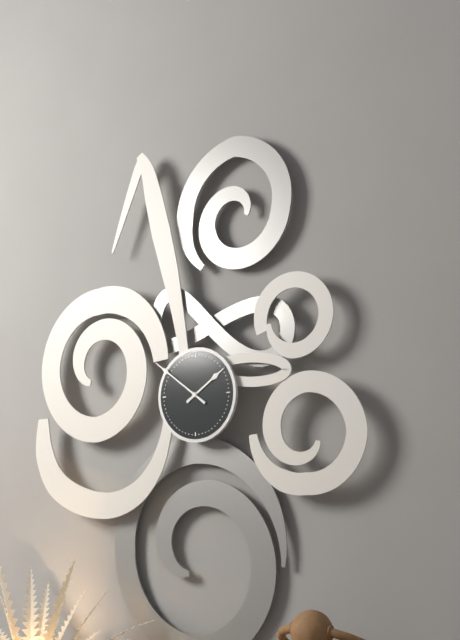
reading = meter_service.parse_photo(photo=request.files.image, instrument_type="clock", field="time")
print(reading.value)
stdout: 1:51
